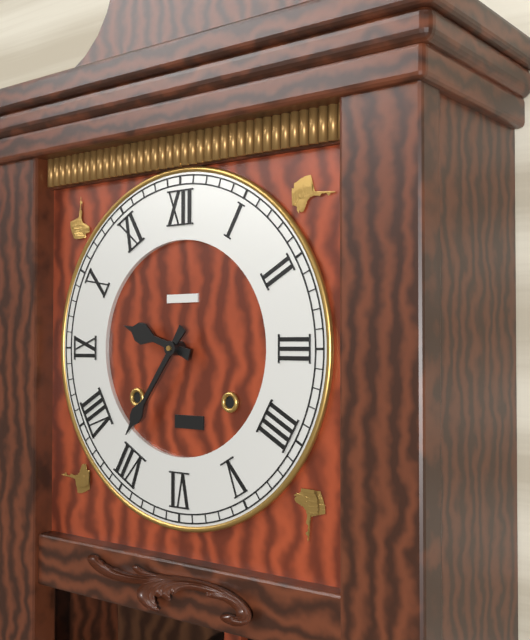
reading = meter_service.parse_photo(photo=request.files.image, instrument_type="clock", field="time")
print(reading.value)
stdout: 9:36
